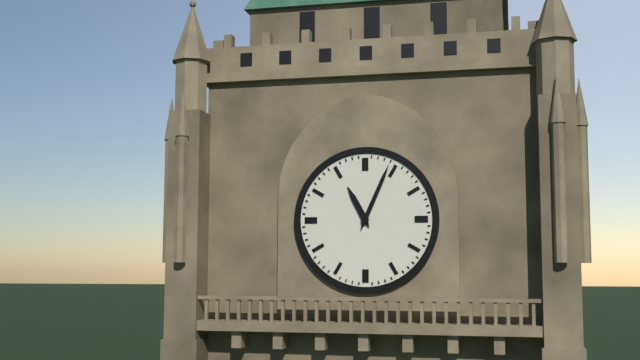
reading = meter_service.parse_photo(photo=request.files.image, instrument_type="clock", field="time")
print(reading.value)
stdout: 11:04
